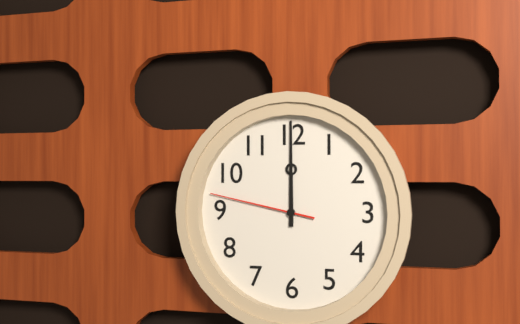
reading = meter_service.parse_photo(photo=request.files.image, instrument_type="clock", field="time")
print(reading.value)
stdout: 12:00:47
